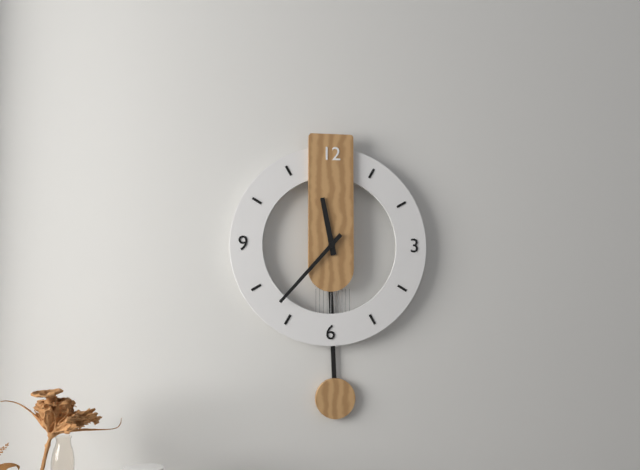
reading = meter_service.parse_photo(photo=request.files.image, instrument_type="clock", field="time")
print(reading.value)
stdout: 11:37
